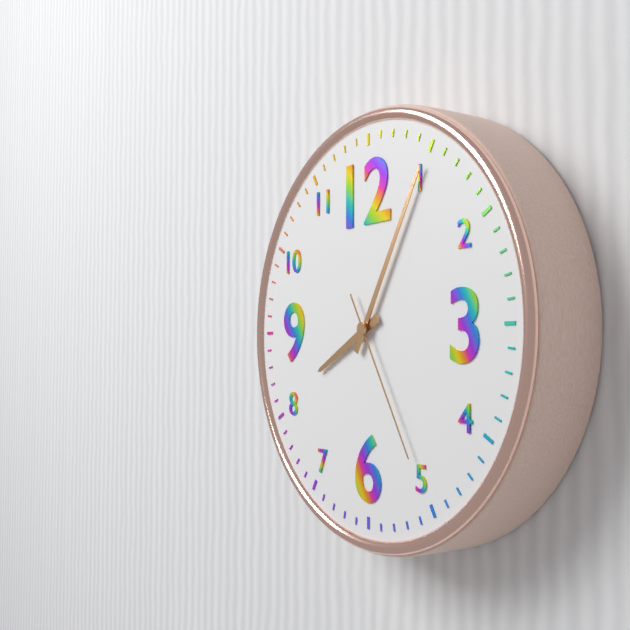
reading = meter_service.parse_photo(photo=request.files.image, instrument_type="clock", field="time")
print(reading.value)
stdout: 8:05:25
